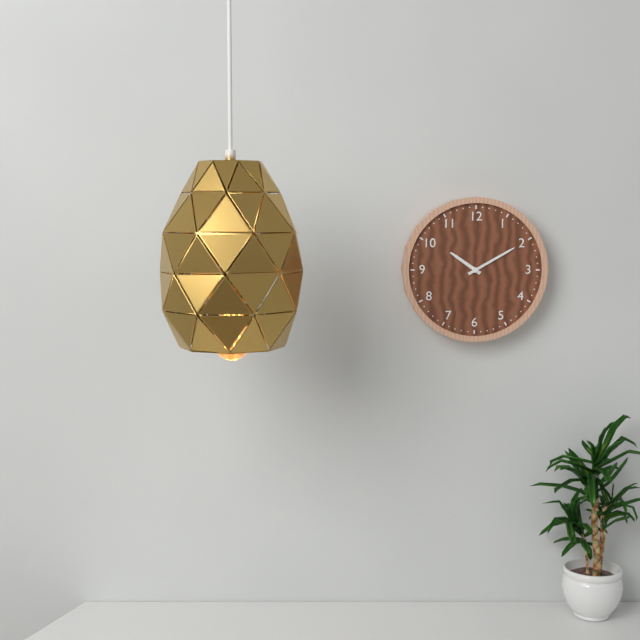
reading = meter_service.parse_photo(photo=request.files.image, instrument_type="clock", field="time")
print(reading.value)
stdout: 10:10
